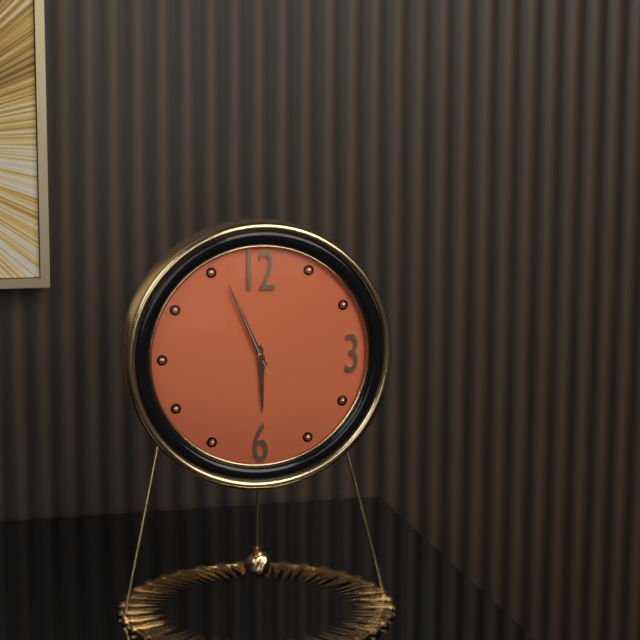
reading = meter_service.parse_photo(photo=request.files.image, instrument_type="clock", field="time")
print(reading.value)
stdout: 5:56:56
